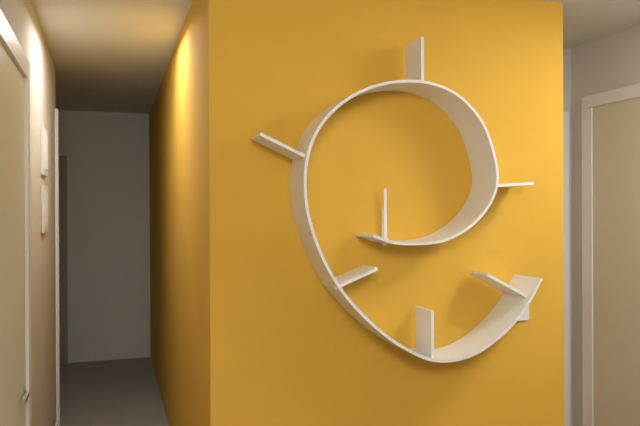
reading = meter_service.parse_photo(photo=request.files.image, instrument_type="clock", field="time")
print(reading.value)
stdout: 12:00
